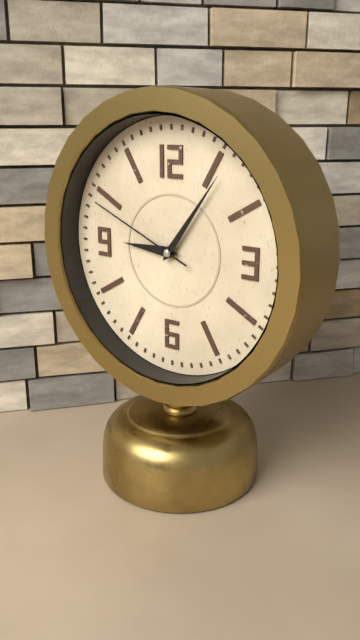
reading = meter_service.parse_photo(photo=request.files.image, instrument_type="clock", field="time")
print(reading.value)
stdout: 9:06:49
